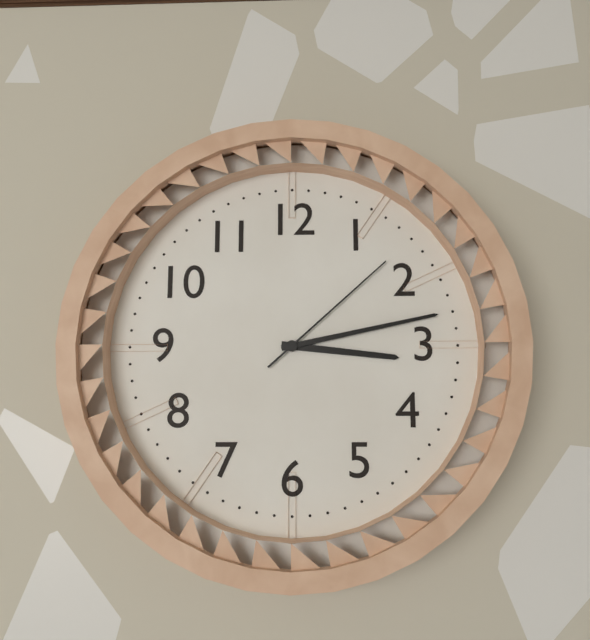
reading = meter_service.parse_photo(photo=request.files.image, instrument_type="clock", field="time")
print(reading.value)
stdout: 3:13:08
